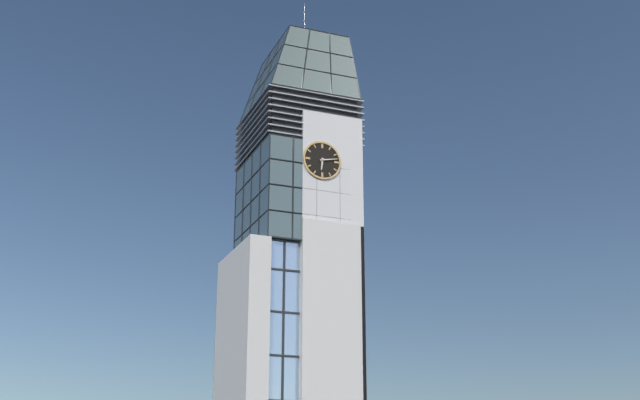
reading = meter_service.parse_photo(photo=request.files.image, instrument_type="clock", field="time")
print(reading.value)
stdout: 6:13
